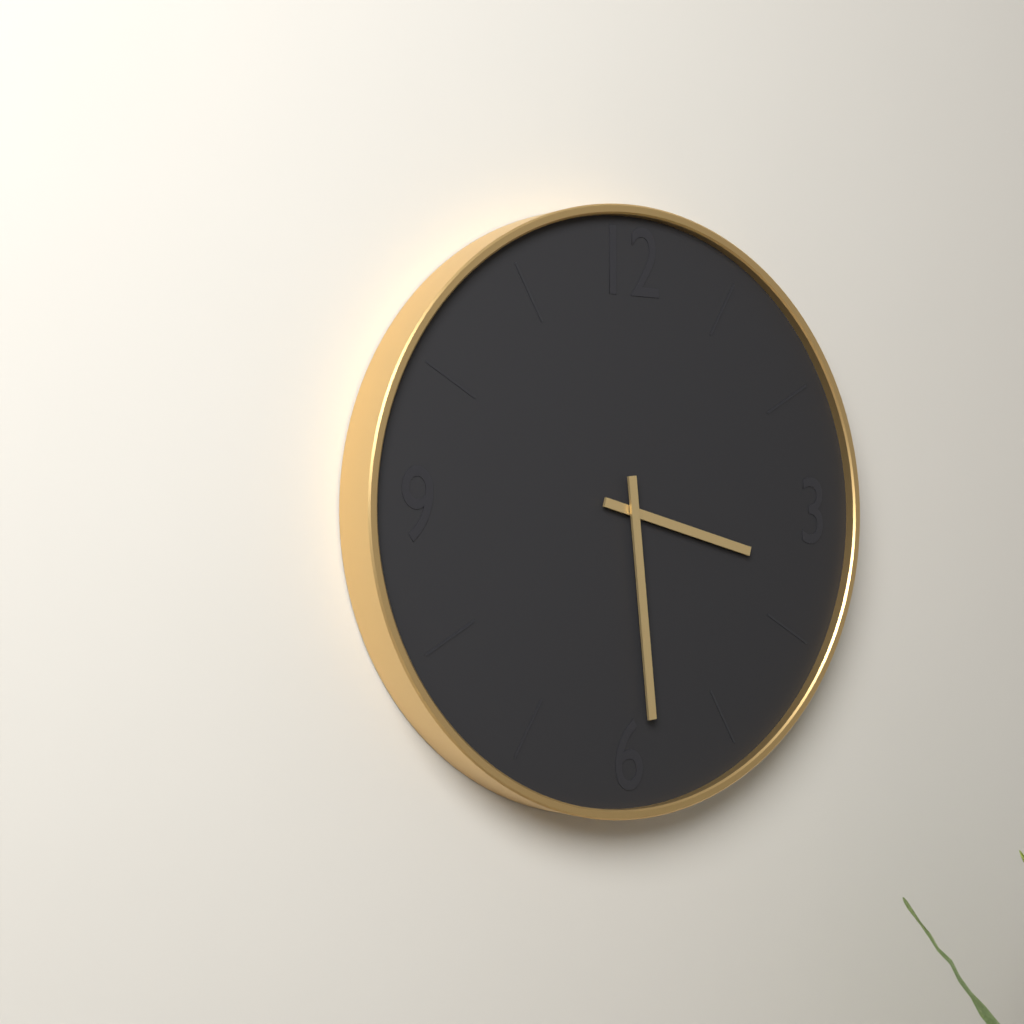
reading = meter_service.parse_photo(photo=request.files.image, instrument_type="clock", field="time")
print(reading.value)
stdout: 3:29
